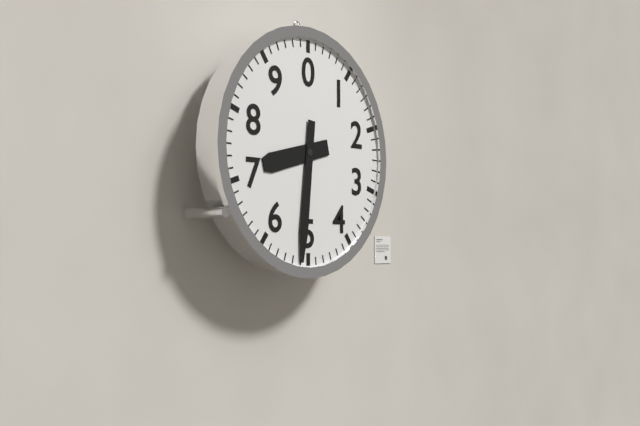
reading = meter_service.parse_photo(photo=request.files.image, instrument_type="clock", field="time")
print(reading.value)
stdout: 8:31
